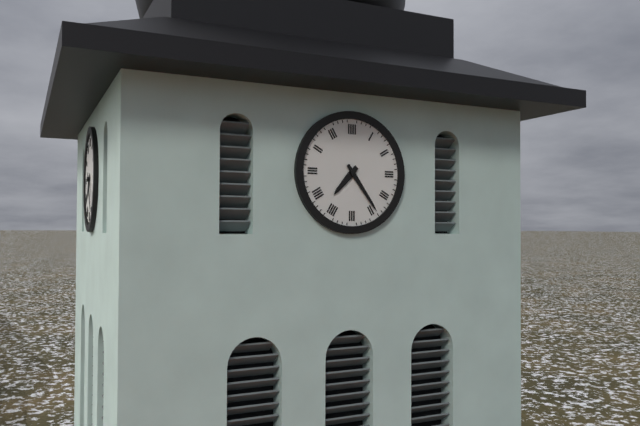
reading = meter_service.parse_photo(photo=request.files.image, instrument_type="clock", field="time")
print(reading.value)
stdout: 7:24
